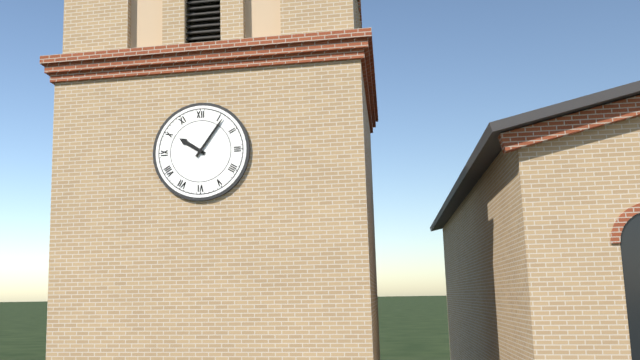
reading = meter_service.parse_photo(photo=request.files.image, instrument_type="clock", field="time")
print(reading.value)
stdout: 10:06
